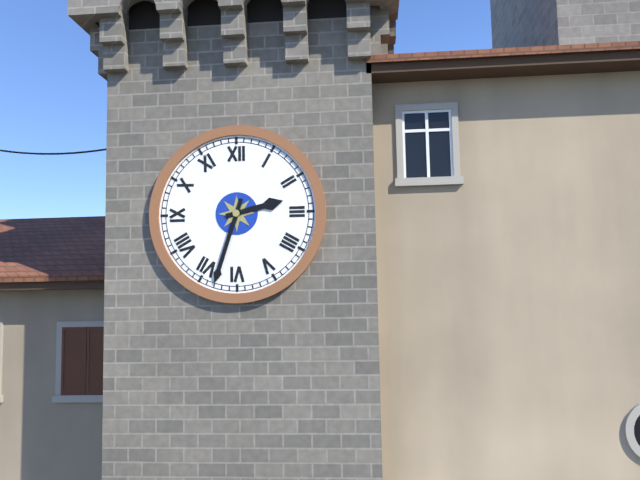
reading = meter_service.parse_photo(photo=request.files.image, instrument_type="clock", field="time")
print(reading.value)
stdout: 2:33
